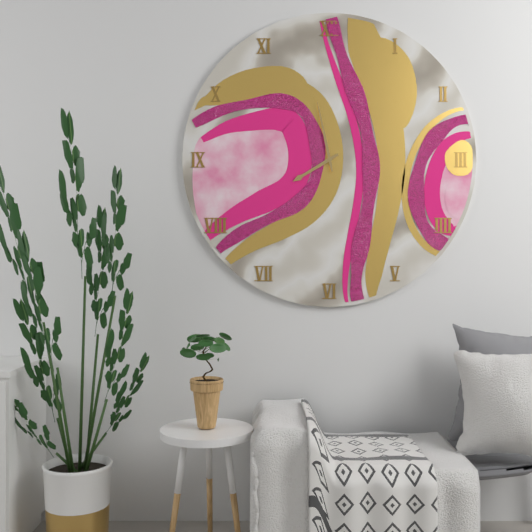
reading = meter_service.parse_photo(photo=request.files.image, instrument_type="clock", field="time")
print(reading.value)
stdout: 7:58
